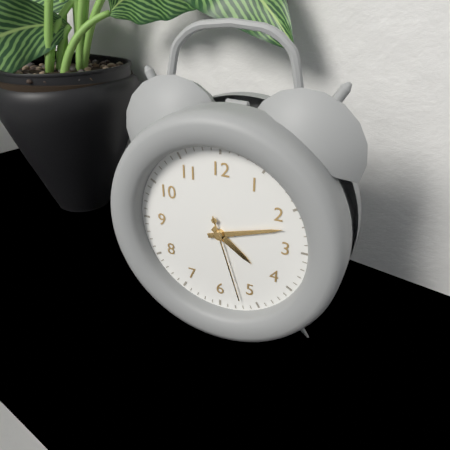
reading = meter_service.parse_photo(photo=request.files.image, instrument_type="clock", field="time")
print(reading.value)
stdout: 4:12:27
